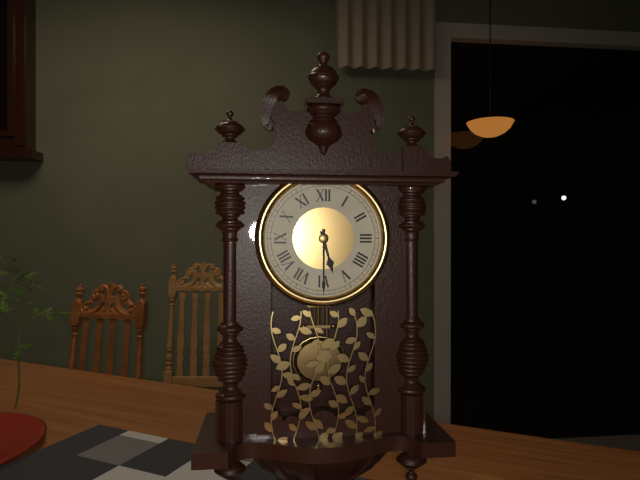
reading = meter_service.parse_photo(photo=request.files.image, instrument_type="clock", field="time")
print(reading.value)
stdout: 5:30
